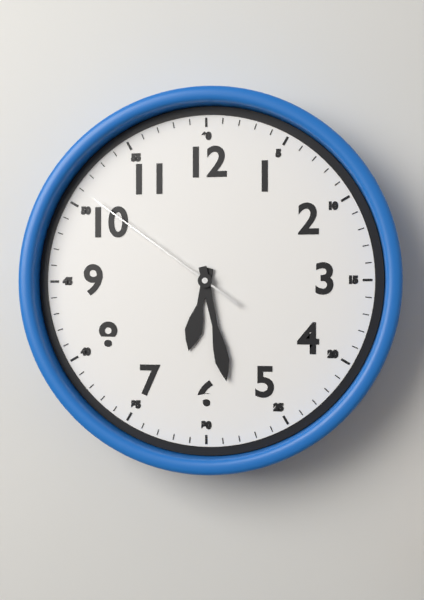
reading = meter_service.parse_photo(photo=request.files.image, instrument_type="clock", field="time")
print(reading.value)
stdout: 6:28:51
